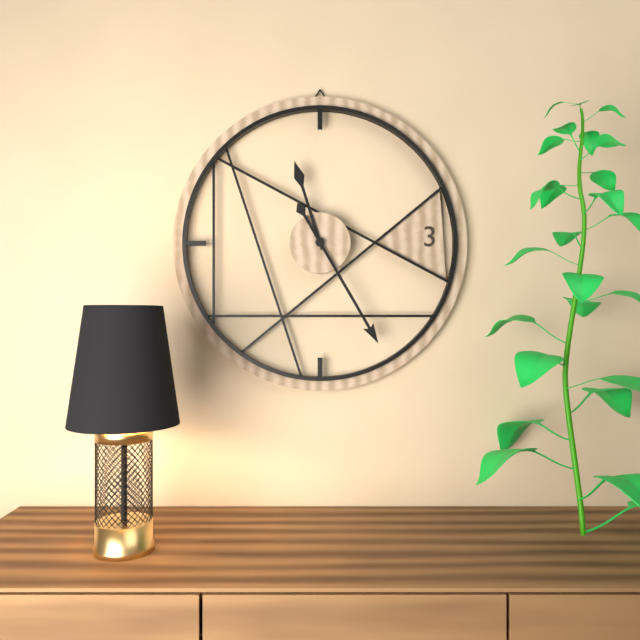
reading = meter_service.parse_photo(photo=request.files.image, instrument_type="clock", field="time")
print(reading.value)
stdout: 11:25
